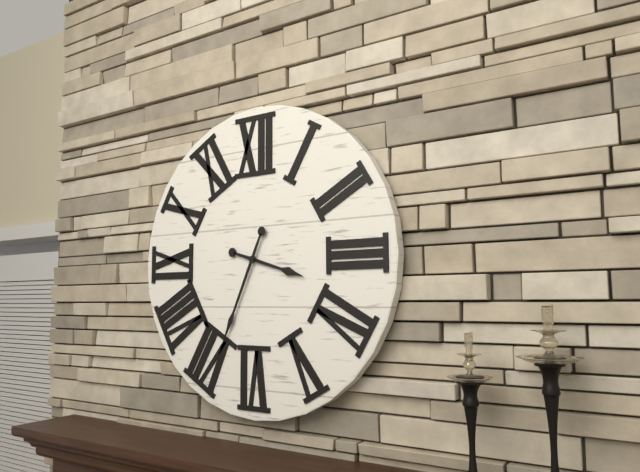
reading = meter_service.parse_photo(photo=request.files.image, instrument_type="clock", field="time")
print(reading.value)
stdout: 3:34
